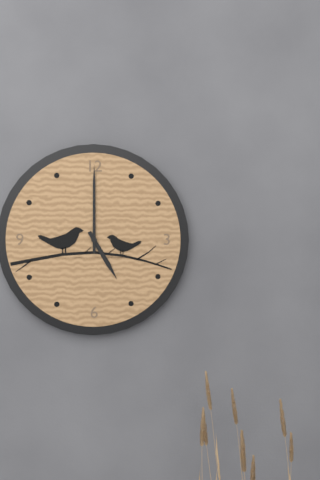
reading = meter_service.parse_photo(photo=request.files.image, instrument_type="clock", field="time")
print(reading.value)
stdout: 5:00
